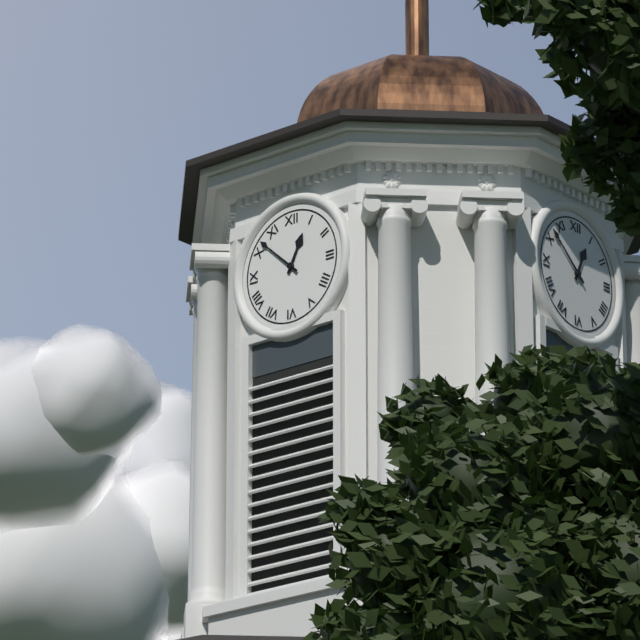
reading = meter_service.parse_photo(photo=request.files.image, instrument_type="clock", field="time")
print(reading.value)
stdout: 12:52
